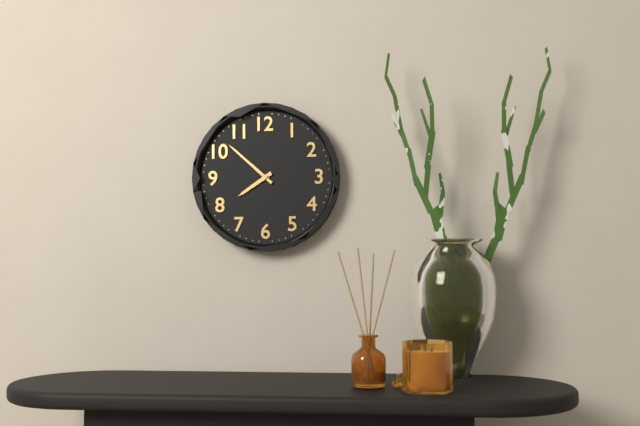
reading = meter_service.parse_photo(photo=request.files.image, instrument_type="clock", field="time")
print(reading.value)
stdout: 7:52
